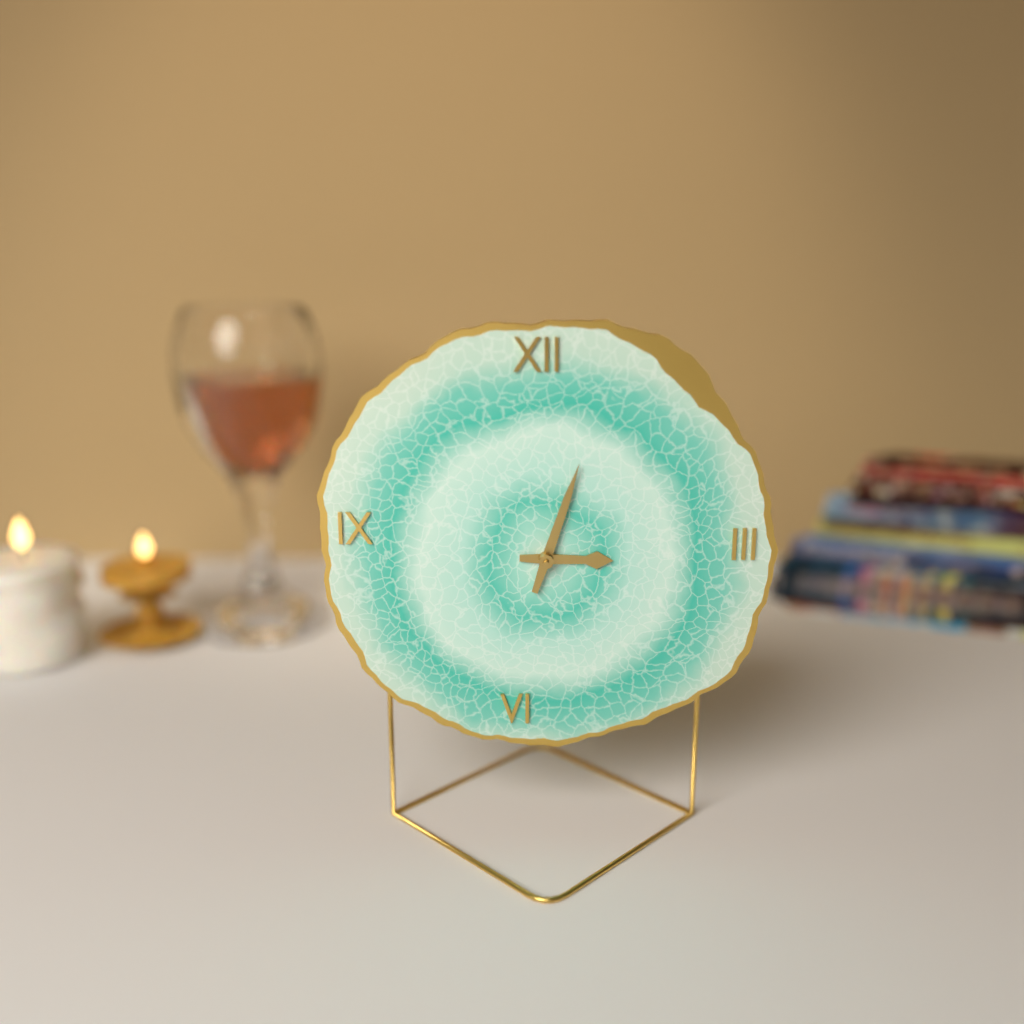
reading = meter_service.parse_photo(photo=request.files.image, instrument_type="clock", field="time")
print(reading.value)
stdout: 3:03
